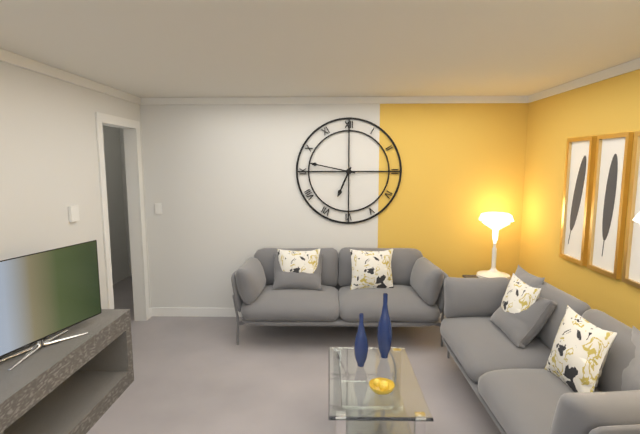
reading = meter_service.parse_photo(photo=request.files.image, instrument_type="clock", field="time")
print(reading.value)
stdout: 6:47
